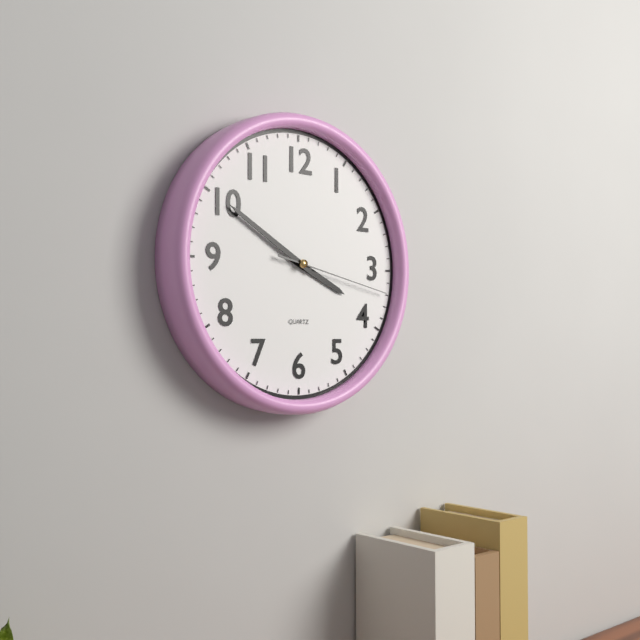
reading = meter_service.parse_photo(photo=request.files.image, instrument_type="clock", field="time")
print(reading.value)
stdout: 3:50:17
